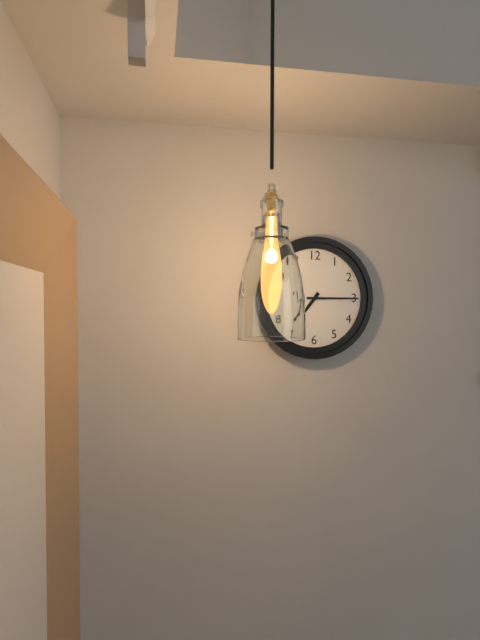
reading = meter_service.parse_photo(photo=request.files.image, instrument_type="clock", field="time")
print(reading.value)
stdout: 7:15
